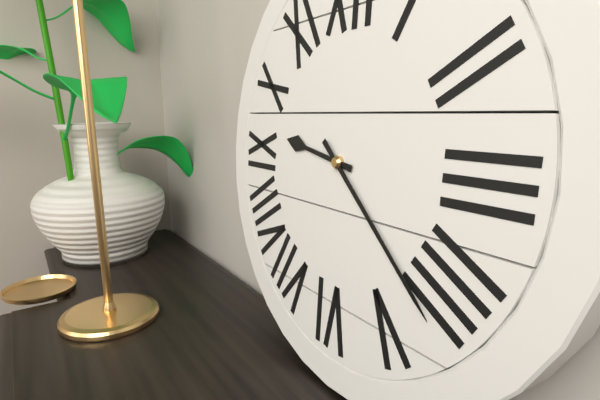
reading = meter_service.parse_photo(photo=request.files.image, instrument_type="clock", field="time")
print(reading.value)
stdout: 9:22
